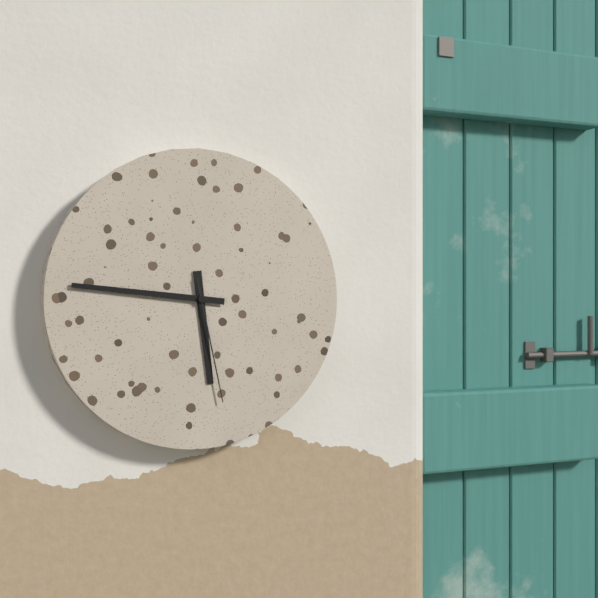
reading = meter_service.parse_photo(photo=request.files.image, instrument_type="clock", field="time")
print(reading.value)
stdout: 5:46:28
